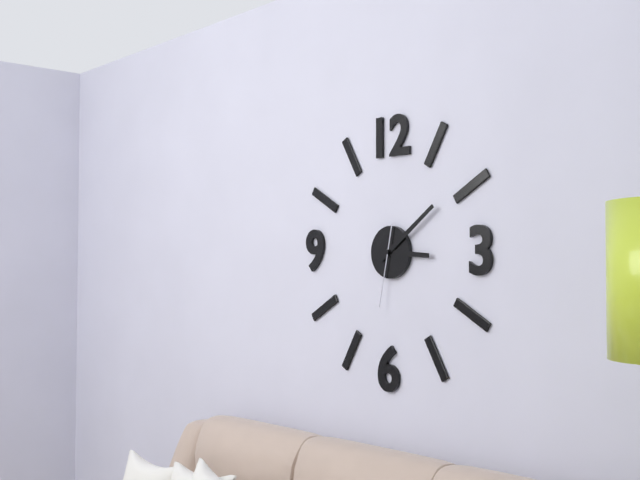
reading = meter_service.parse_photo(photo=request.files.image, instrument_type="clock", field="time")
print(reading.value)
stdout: 3:09:32
